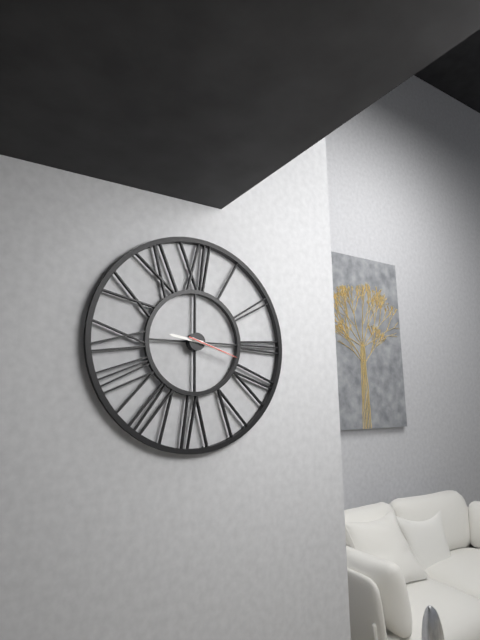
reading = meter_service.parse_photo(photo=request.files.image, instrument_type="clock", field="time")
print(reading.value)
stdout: 9:18:18
